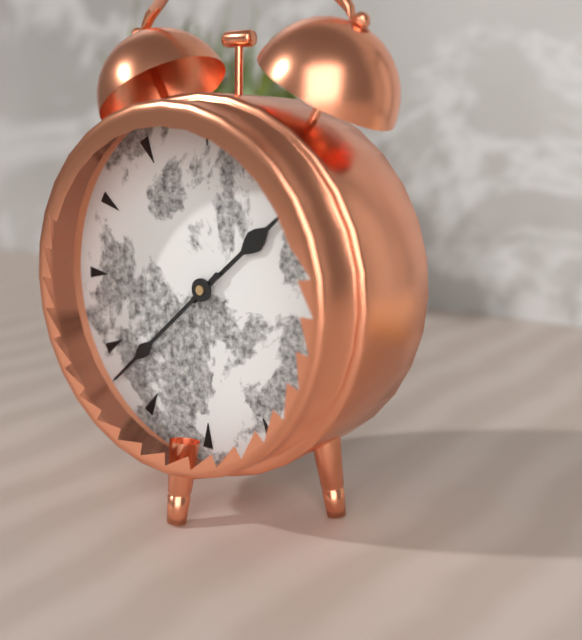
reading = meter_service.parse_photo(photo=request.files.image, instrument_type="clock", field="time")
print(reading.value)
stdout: 1:38
